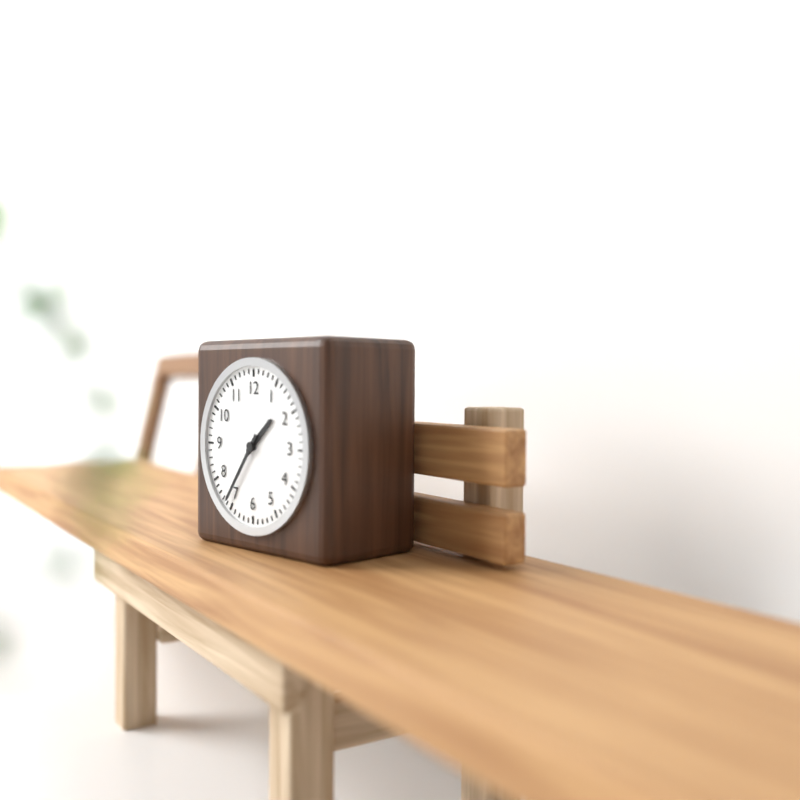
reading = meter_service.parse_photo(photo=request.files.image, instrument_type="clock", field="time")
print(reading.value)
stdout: 1:36
